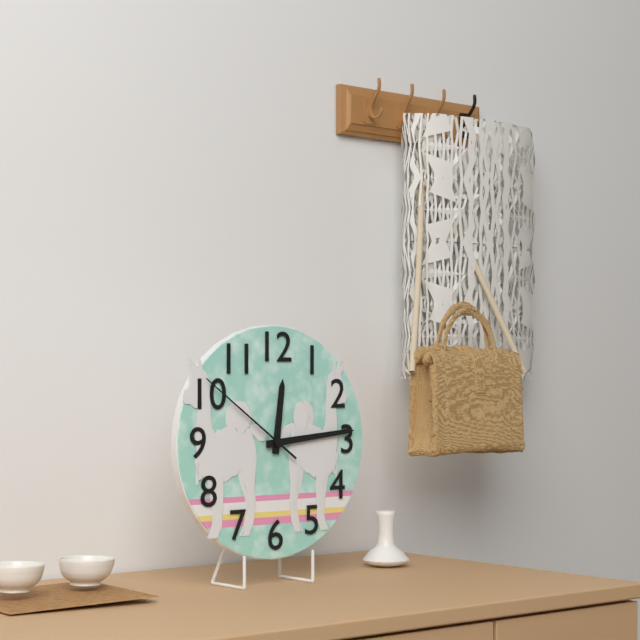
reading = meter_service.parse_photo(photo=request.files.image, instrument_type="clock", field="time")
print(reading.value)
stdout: 12:14:51
